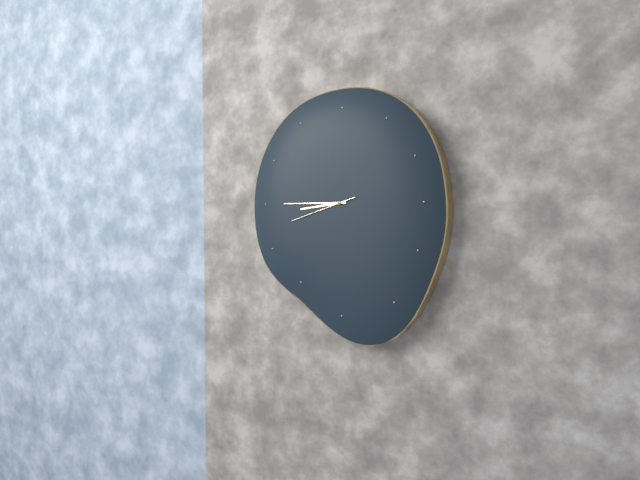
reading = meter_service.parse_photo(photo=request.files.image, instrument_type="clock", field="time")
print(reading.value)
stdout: 8:45:42
